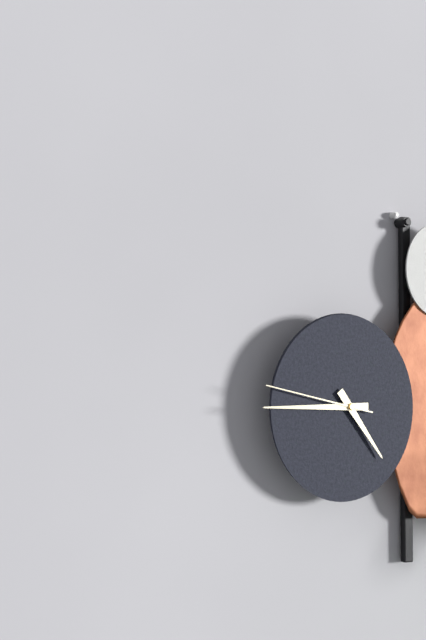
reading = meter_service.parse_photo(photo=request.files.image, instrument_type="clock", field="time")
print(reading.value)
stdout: 4:45:47
